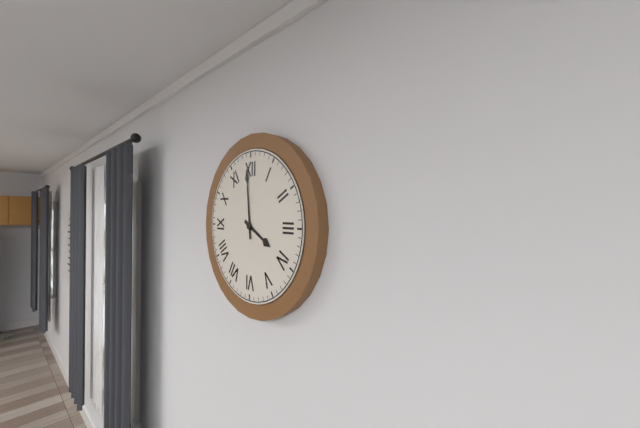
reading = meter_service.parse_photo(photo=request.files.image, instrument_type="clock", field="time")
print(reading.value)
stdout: 3:59
